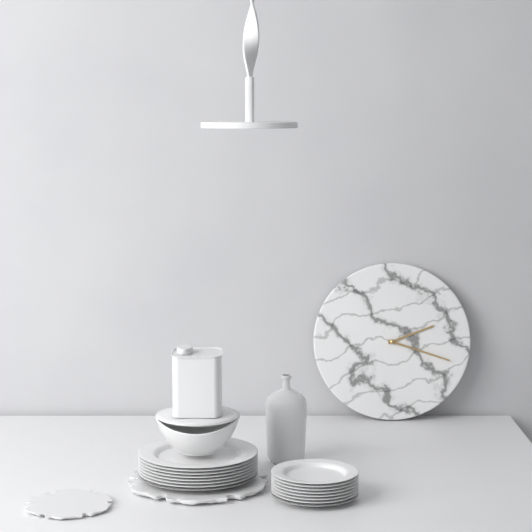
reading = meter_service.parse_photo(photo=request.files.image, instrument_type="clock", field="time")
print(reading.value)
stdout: 2:18
